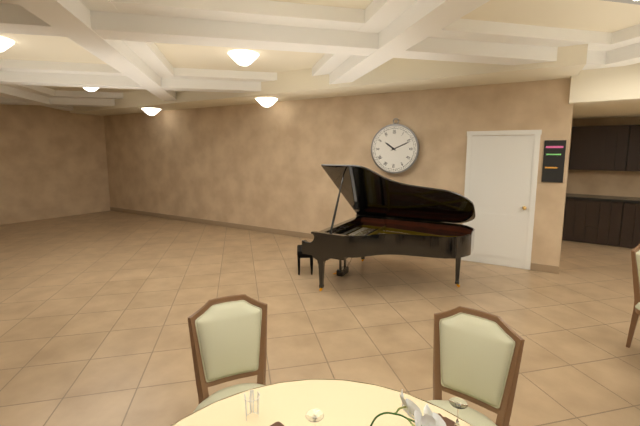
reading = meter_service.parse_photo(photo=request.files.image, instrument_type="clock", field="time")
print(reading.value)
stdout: 10:11
